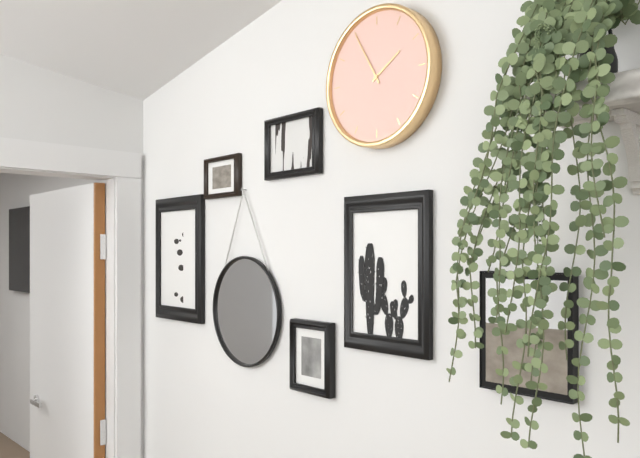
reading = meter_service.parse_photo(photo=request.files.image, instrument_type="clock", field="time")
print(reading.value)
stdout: 1:55
